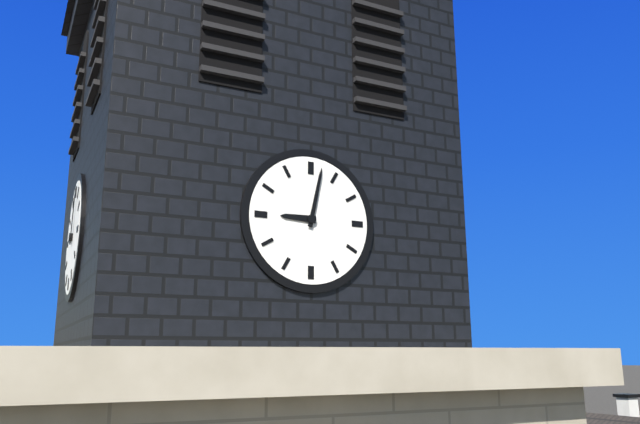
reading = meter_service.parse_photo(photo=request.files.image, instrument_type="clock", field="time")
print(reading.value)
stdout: 9:02
